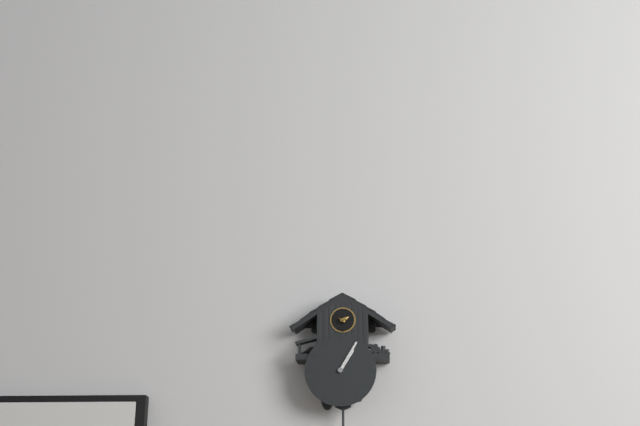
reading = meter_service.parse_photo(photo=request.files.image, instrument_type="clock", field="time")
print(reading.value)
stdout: 1:05
